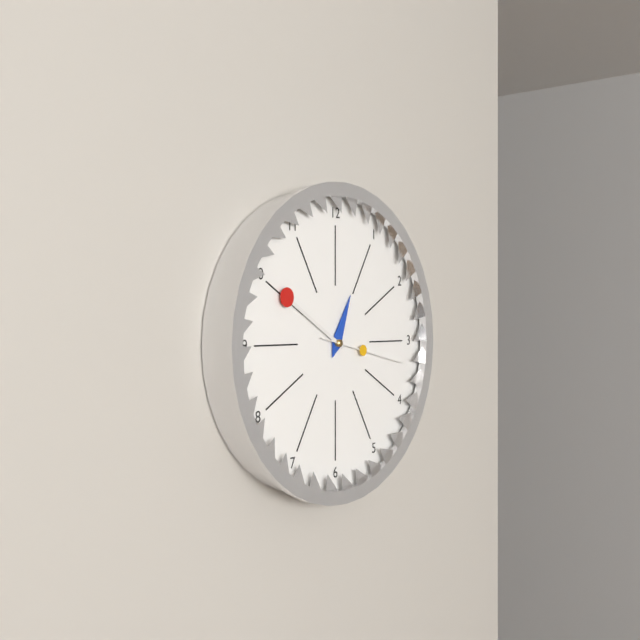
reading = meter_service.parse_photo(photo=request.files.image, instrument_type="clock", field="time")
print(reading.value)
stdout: 12:50:17
